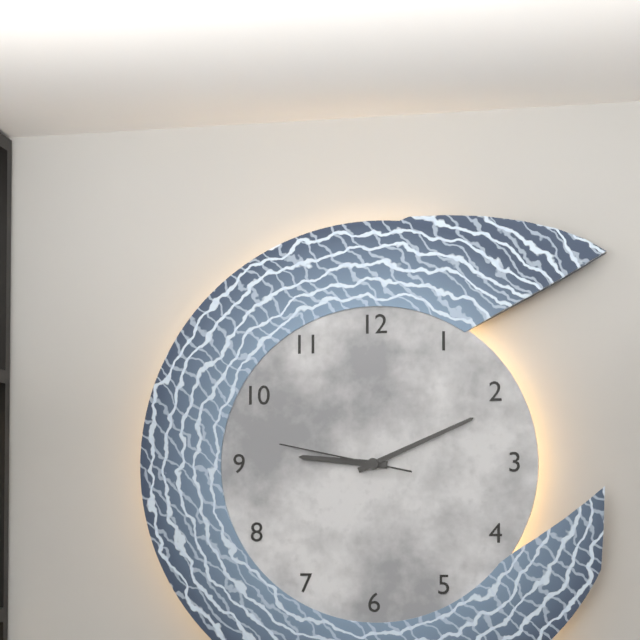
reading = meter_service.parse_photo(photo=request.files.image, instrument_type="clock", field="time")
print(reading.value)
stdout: 9:11:47
